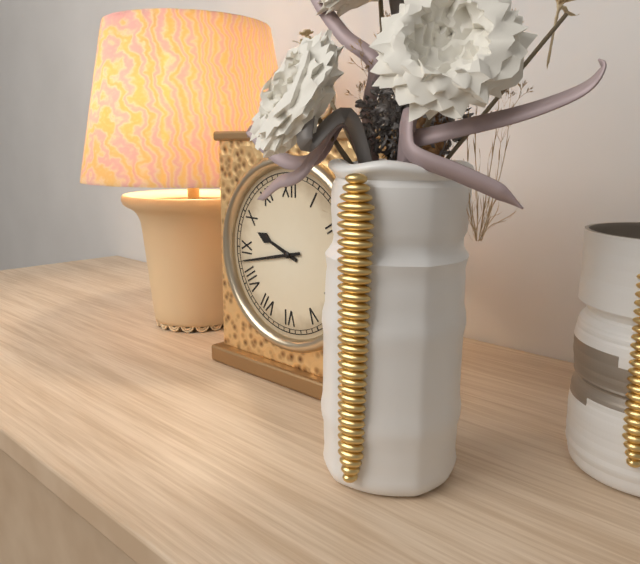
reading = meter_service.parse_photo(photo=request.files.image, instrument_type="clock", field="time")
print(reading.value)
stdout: 9:43
